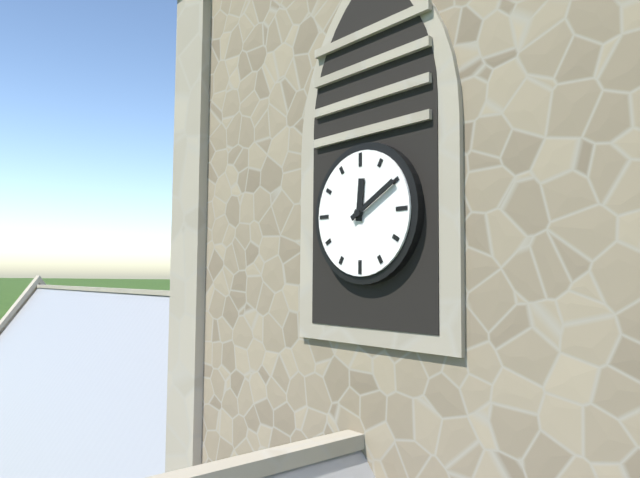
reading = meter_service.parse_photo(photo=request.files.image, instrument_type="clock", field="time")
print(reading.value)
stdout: 12:10
